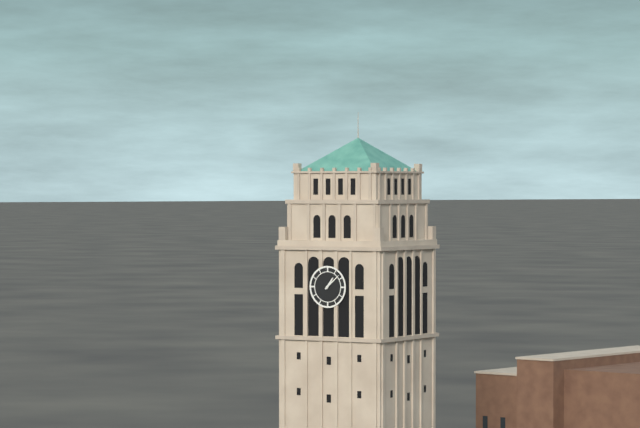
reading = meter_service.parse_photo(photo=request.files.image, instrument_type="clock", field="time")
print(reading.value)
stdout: 1:08
